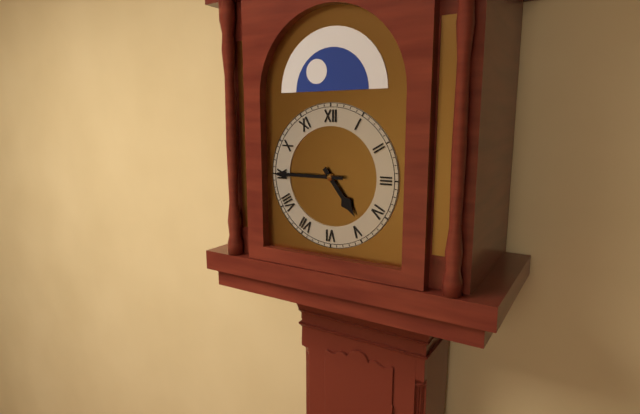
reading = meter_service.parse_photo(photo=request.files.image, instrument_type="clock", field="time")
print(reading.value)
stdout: 4:45
